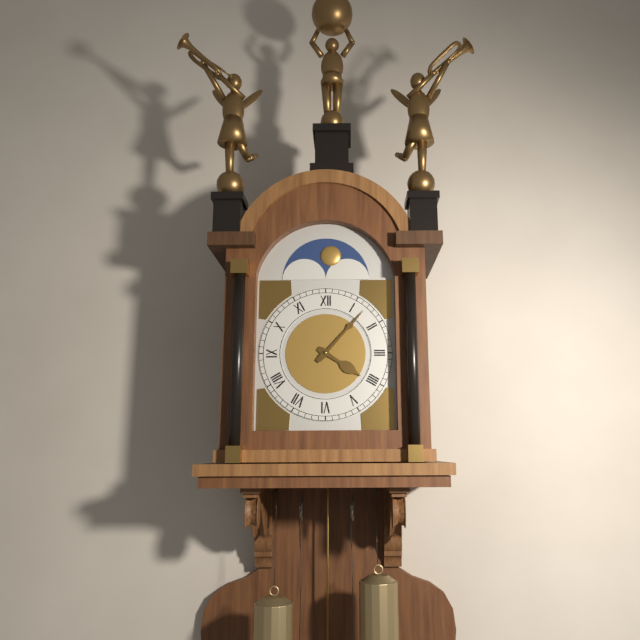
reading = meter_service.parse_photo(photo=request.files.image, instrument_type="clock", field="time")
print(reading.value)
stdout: 4:07
